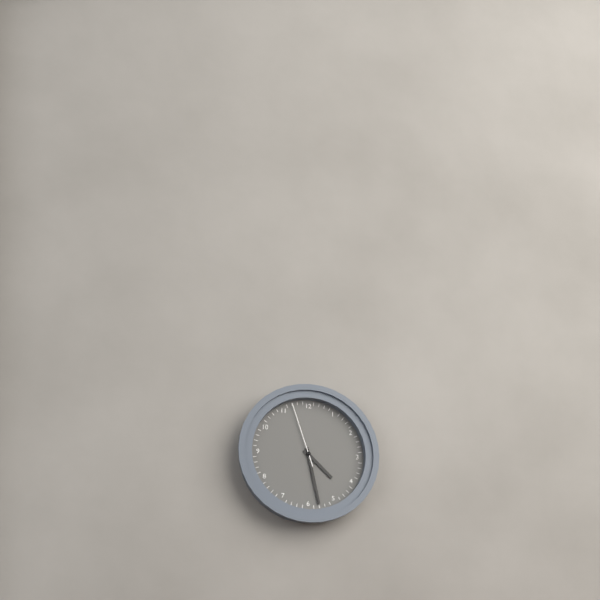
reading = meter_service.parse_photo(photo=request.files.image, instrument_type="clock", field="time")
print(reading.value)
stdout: 4:28:57
